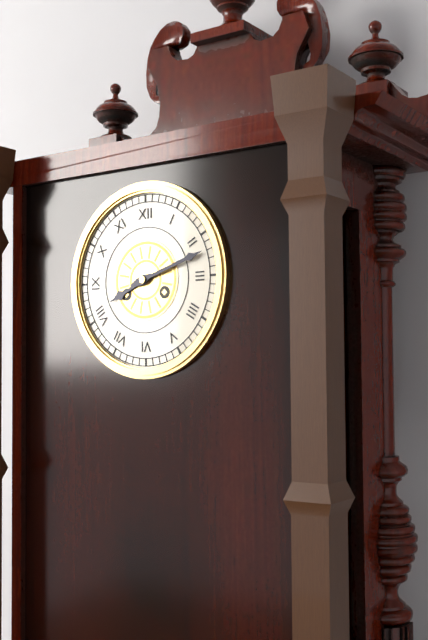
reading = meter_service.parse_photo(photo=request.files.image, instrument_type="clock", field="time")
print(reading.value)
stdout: 8:12
